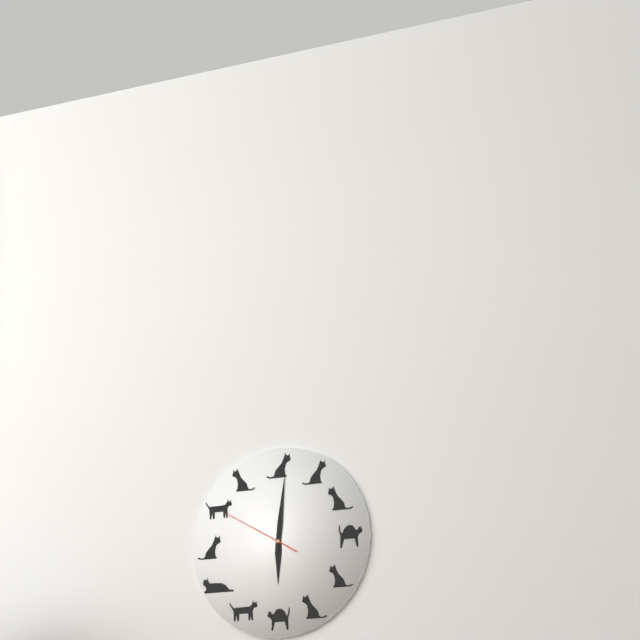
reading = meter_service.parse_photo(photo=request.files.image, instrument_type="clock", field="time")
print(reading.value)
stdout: 6:01:50
